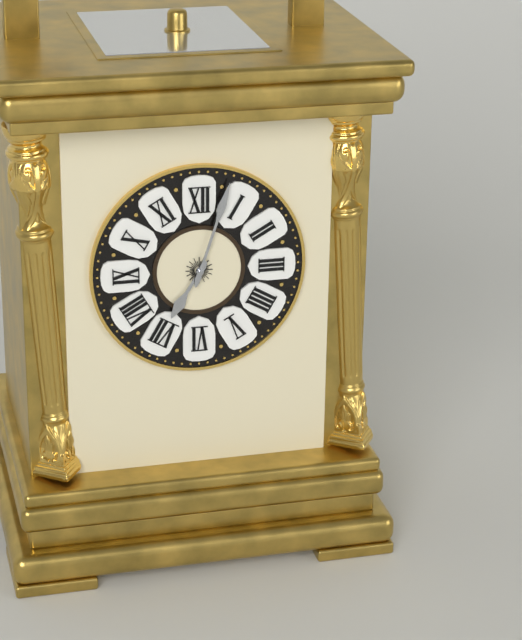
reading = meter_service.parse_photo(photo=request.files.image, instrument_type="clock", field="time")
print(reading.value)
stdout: 7:03
